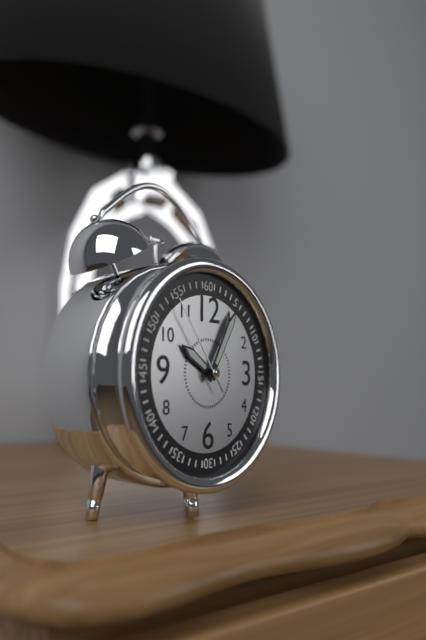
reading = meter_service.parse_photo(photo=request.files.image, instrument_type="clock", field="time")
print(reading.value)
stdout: 10:05:54
